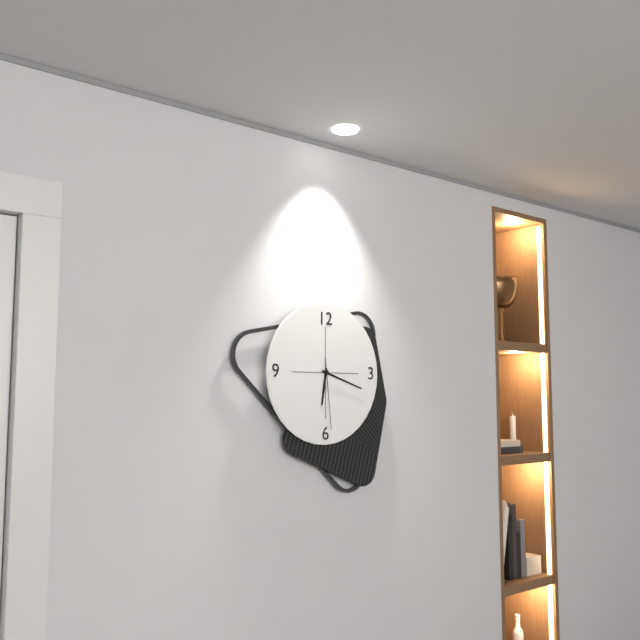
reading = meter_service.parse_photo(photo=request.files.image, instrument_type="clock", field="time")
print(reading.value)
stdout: 6:18:29
